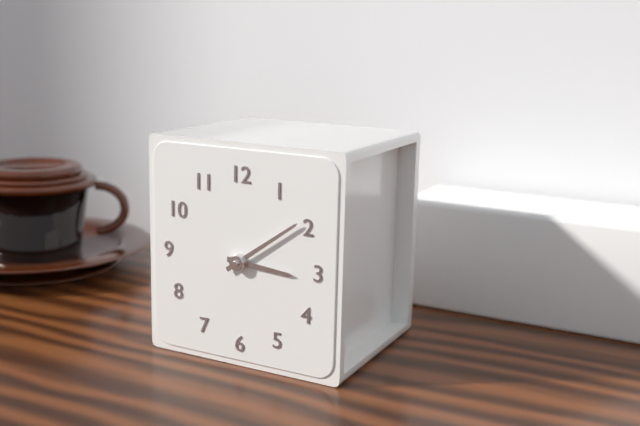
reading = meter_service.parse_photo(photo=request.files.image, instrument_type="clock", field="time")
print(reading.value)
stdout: 3:09
